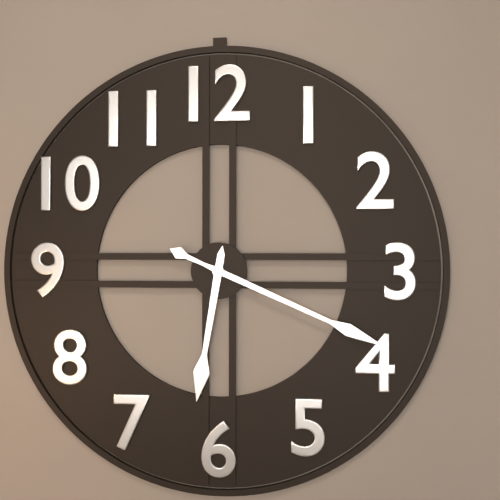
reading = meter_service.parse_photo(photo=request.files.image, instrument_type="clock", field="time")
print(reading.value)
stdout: 6:19
